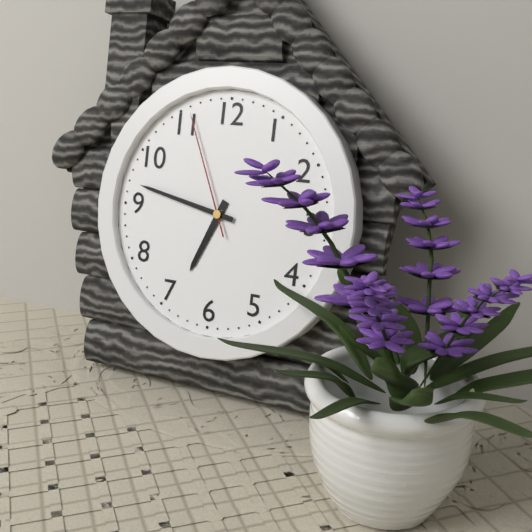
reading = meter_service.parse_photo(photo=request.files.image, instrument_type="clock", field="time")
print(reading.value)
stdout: 6:47:56
